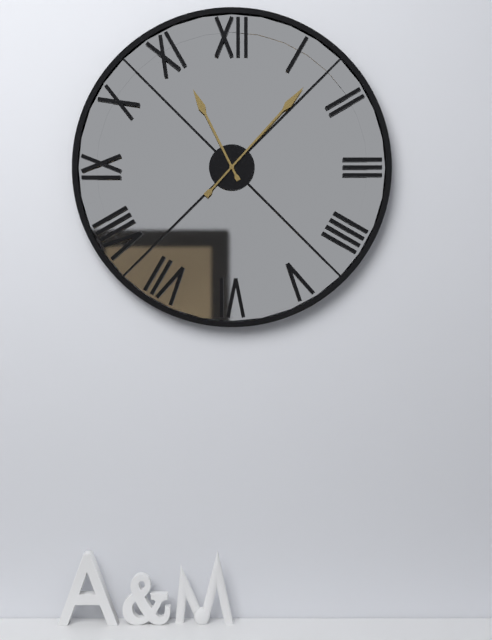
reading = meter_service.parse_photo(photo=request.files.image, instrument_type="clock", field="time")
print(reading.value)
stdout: 11:07
